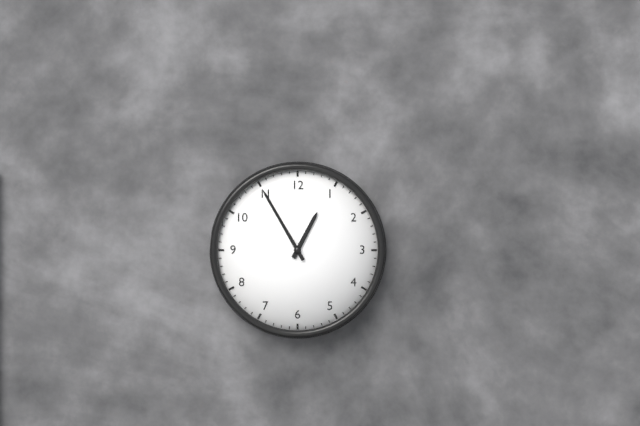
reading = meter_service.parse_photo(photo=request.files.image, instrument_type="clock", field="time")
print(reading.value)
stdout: 12:55
